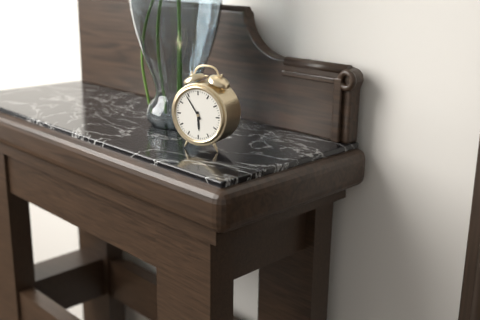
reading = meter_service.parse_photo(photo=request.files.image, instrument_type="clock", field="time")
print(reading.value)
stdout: 5:54
